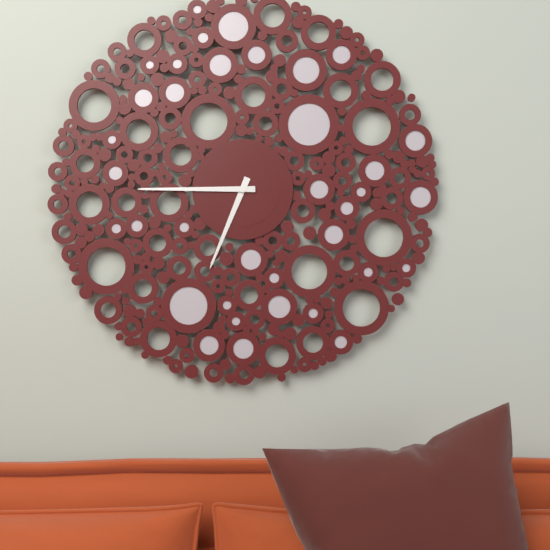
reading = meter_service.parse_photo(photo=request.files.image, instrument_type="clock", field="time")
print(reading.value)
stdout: 6:45
